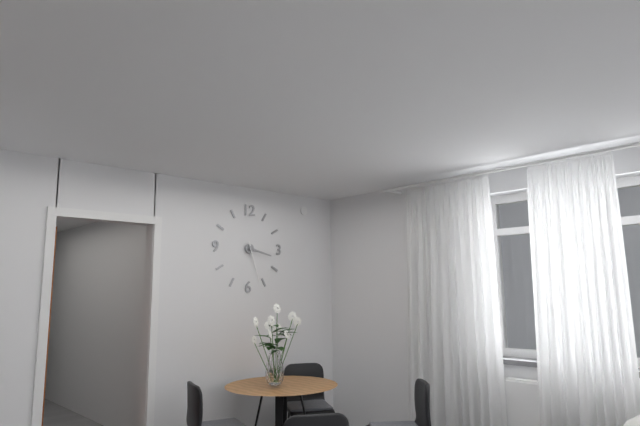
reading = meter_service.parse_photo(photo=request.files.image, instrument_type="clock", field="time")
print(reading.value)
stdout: 3:27
